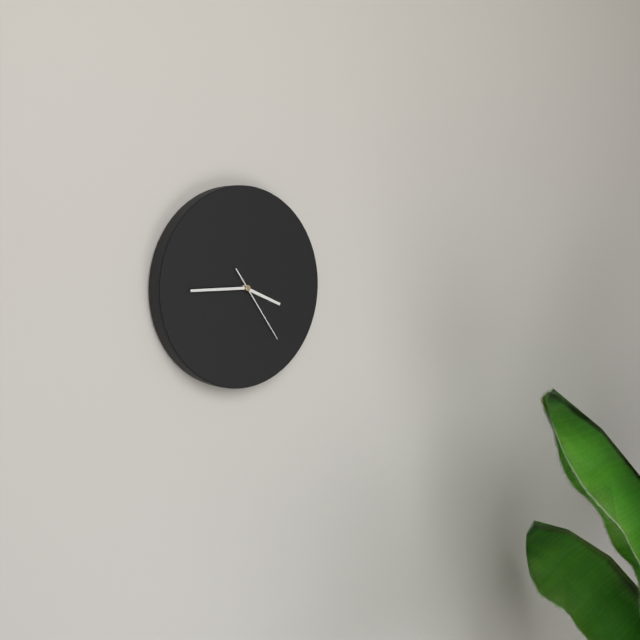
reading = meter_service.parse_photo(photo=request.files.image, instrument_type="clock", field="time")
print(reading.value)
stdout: 3:45:24
